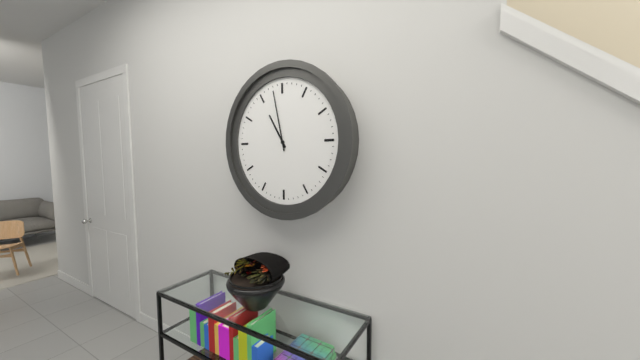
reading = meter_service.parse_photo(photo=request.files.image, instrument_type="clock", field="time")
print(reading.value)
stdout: 10:58
